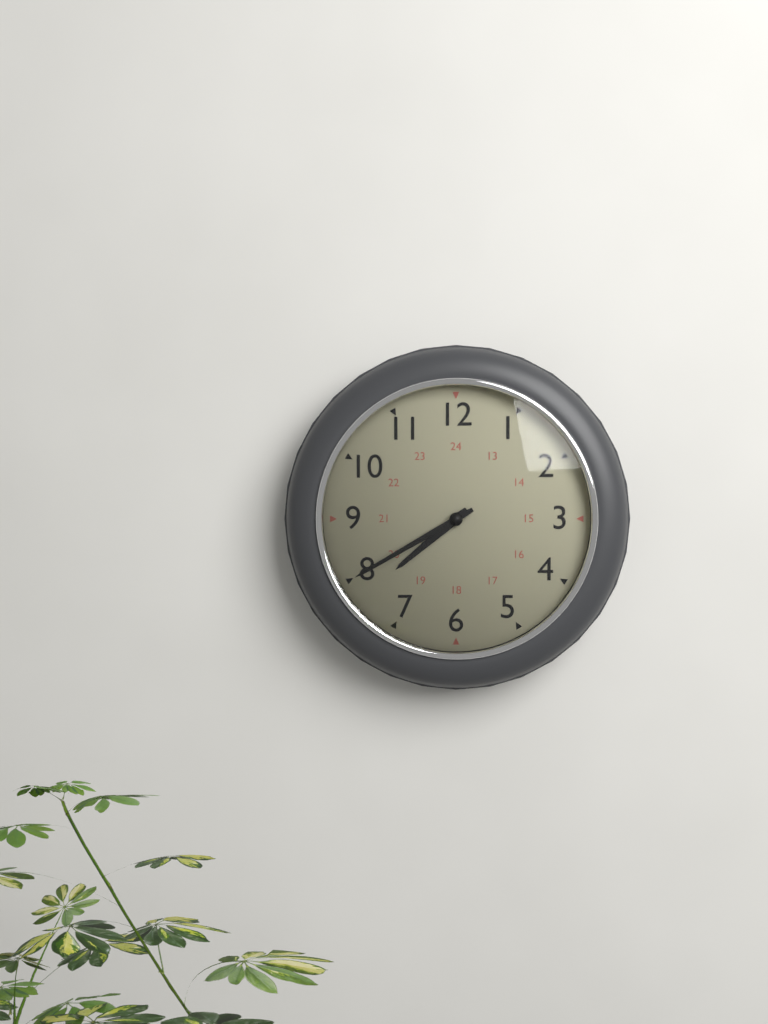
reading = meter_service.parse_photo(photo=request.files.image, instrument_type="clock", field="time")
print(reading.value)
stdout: 7:40
